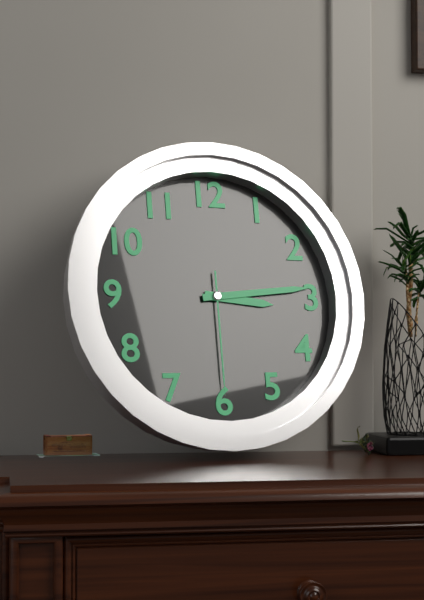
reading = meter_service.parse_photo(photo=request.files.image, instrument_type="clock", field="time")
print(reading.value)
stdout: 3:14:30
